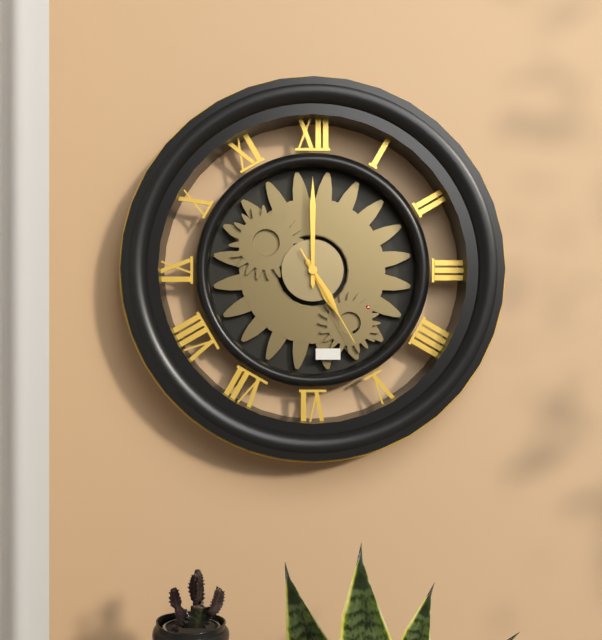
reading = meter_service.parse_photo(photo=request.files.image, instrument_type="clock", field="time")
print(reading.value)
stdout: 5:00:25
